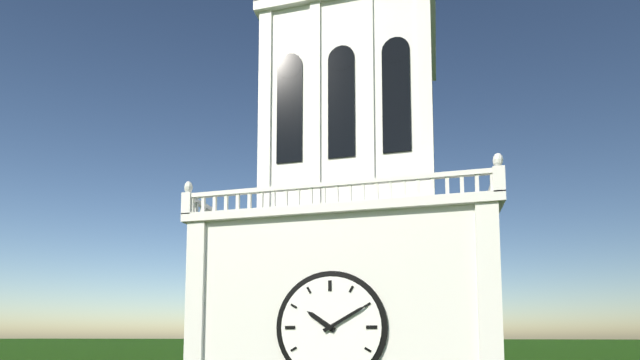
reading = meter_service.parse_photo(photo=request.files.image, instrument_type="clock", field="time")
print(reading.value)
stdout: 10:10
